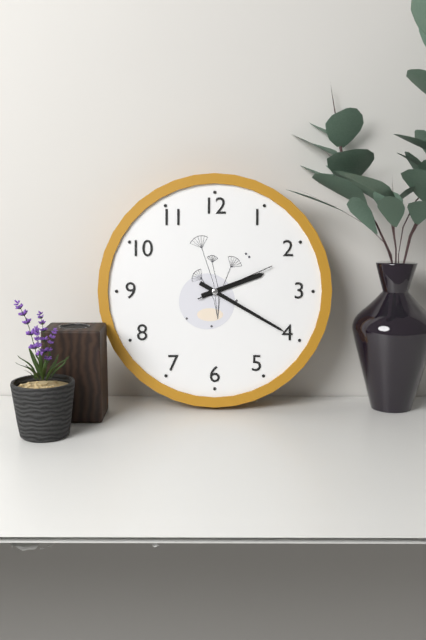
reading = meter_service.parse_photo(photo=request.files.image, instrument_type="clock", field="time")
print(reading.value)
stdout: 2:20:11
